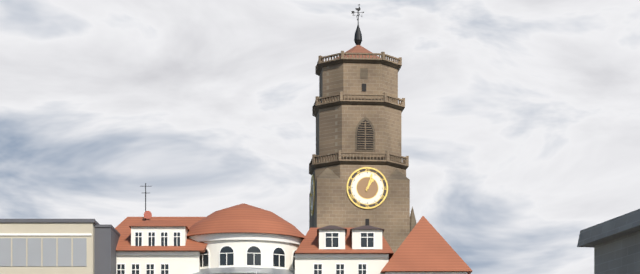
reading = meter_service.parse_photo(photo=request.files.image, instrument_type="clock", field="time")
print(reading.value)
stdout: 1:03
